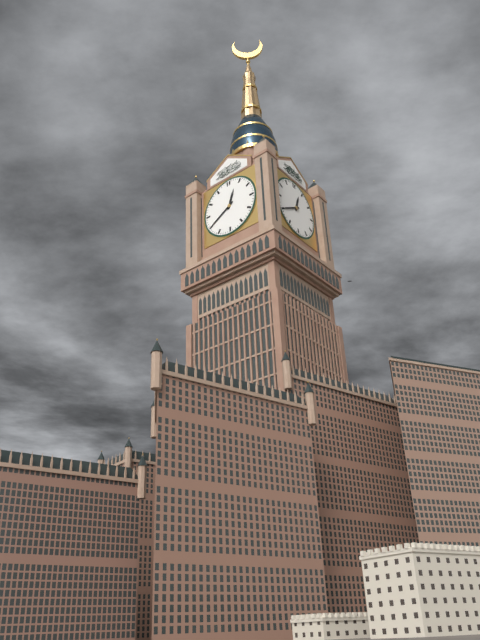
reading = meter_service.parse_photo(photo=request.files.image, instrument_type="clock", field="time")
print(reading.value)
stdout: 12:40
